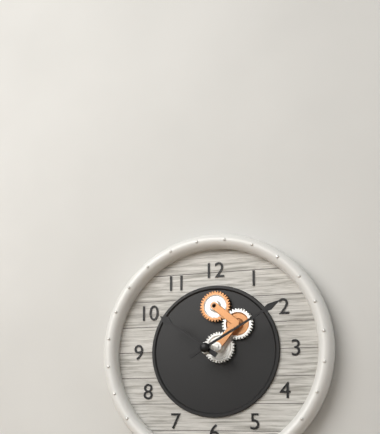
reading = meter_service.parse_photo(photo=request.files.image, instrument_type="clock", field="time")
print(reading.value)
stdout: 10:10
